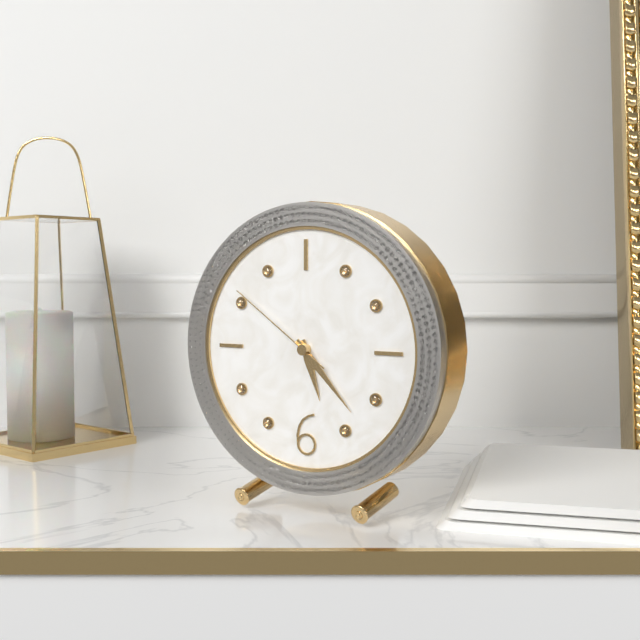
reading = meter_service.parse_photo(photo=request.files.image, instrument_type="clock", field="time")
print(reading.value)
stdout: 5:23:51
